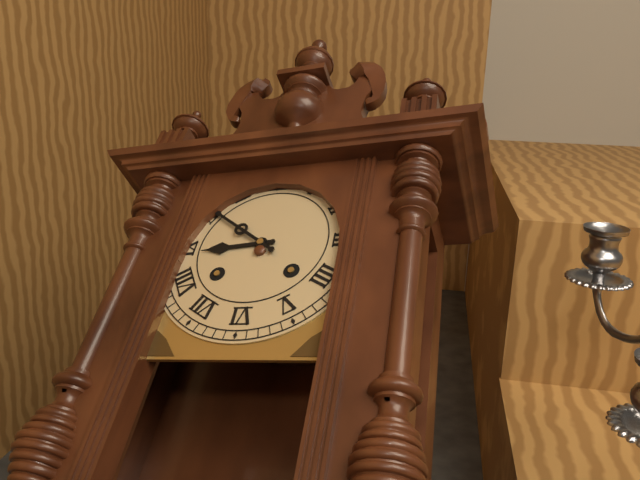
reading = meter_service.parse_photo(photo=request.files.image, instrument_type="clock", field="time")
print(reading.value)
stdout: 8:51
